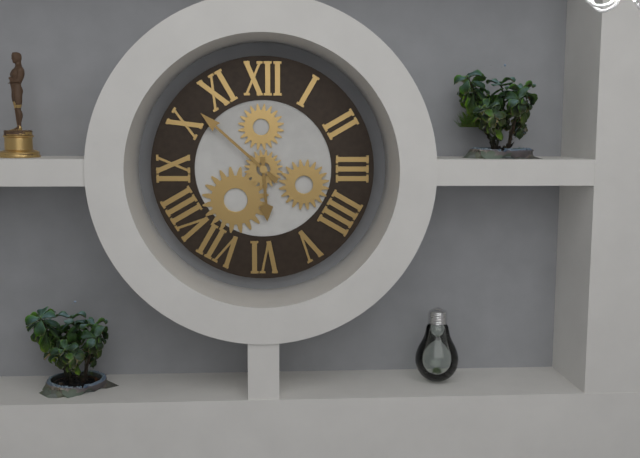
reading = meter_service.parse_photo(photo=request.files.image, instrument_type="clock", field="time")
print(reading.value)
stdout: 5:52
